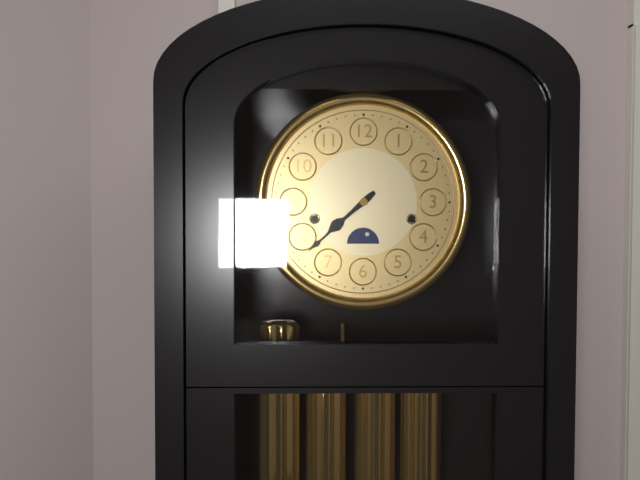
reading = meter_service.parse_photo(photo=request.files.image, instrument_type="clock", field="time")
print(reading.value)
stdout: 7:38
